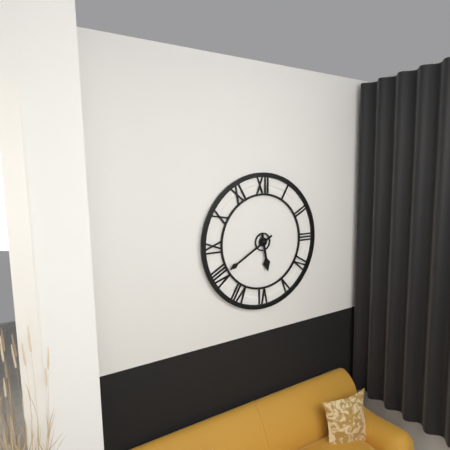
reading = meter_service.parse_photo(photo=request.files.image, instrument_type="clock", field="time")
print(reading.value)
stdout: 5:40
